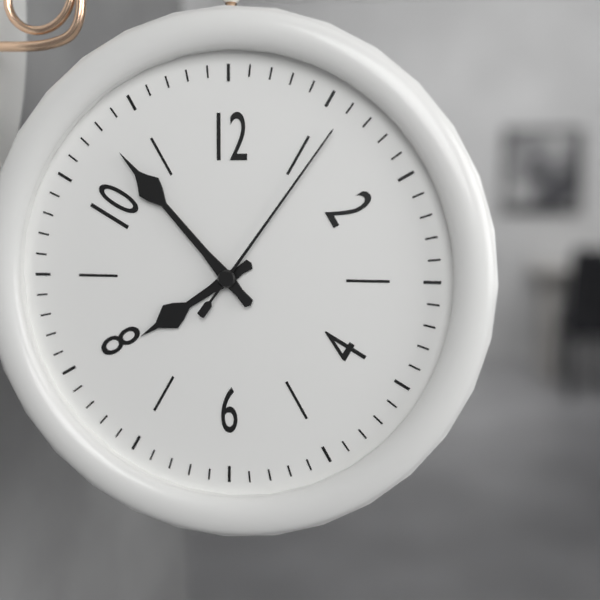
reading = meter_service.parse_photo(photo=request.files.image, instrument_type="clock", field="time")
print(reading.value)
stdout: 7:53:06
